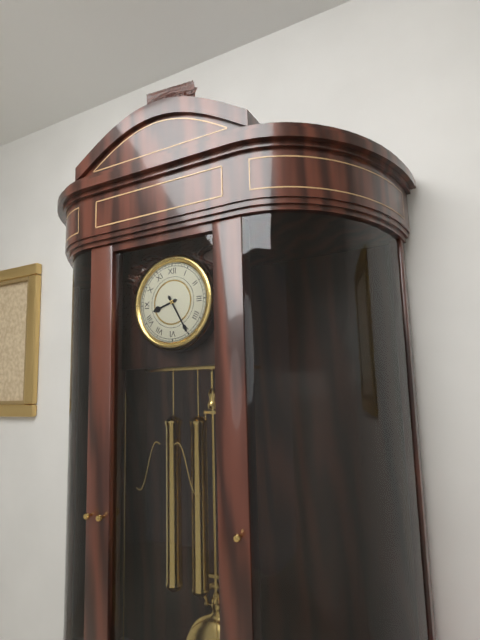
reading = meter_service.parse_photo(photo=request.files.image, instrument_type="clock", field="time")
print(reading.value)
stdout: 8:25
